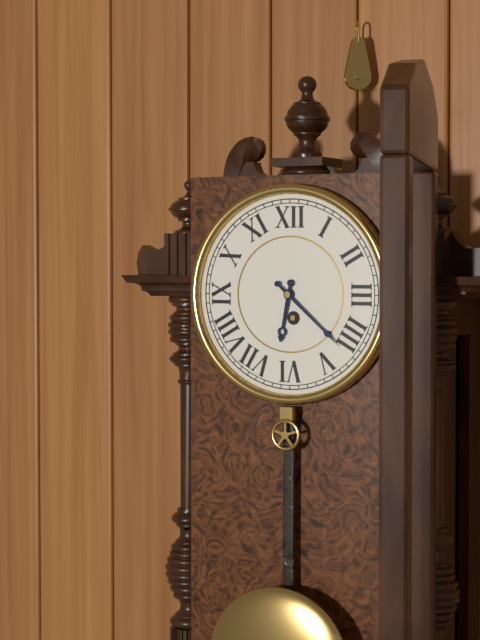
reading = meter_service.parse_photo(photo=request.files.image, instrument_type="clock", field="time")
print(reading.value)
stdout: 6:22
